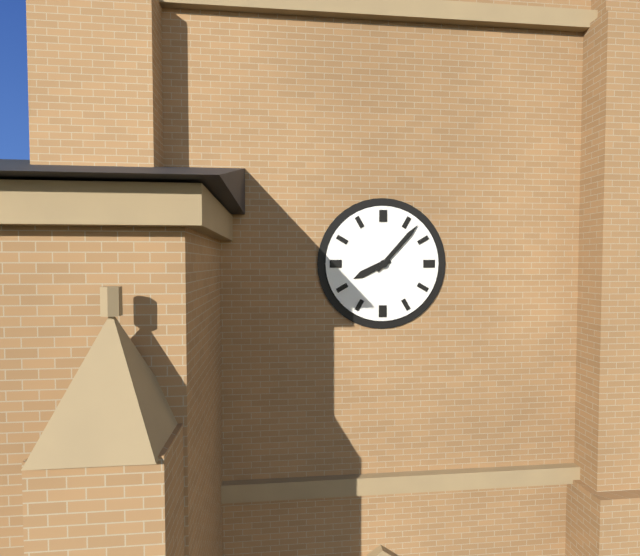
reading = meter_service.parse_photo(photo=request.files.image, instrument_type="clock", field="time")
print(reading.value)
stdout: 8:07
